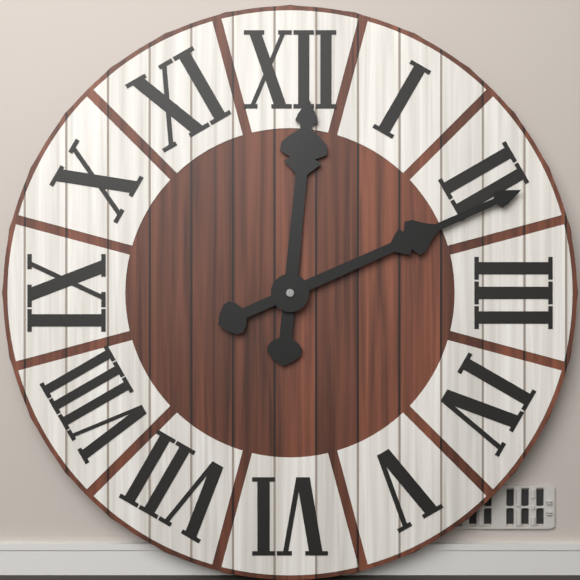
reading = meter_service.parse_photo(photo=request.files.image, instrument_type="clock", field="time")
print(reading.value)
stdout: 12:11
